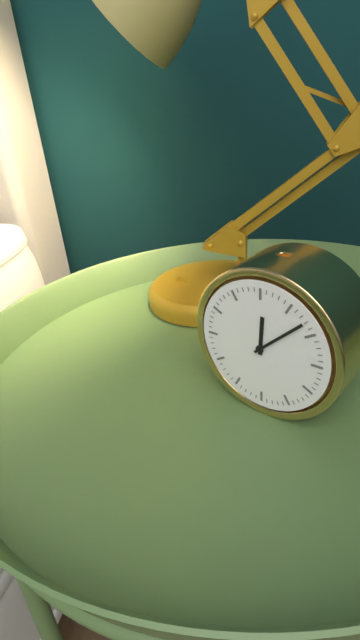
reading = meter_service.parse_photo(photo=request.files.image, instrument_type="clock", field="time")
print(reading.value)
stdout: 12:08
